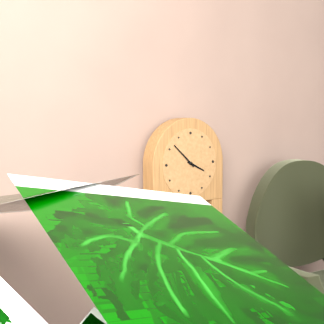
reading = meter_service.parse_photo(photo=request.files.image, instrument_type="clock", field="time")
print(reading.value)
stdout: 3:52
